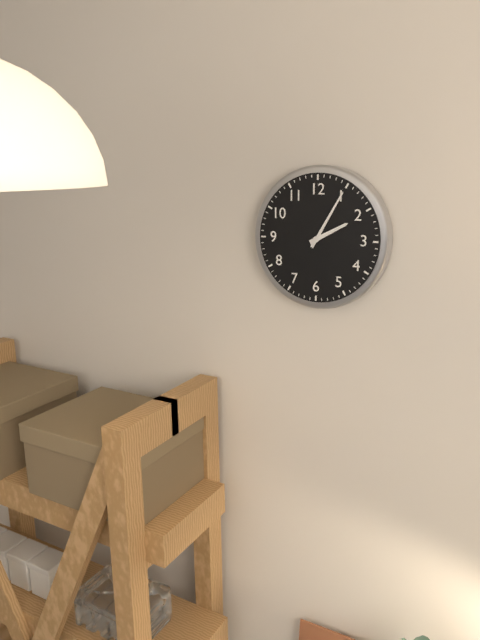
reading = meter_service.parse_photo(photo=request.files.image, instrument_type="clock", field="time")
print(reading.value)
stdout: 2:05
